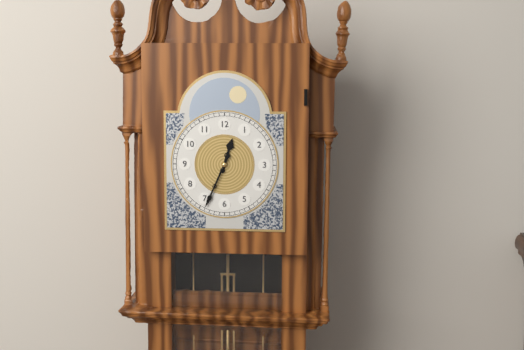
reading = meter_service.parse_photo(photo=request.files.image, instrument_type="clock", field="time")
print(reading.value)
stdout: 12:34
